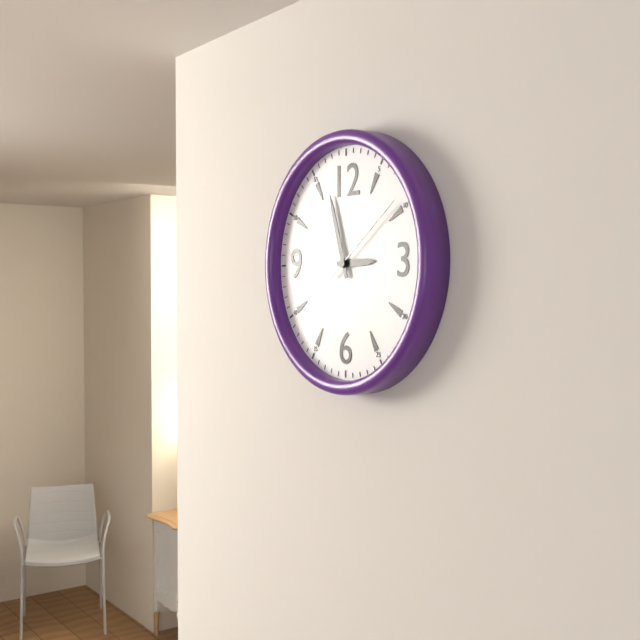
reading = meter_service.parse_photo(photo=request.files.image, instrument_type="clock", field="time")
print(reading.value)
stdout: 2:57:09
